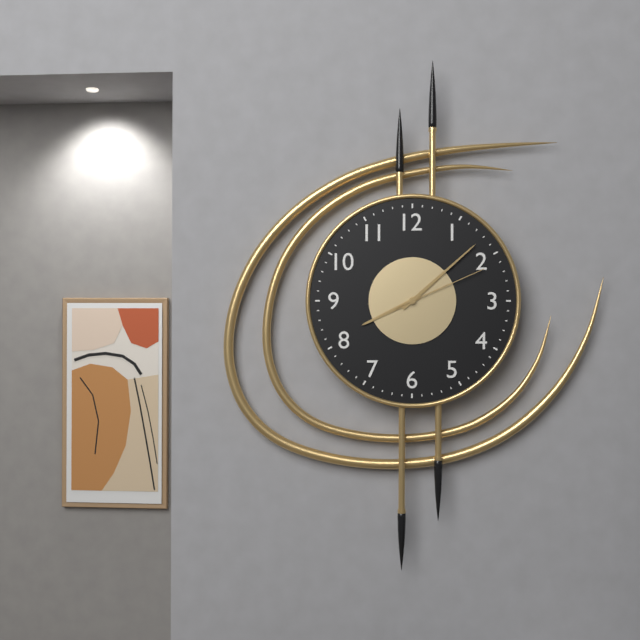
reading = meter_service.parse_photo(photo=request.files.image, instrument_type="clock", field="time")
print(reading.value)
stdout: 8:08:11
